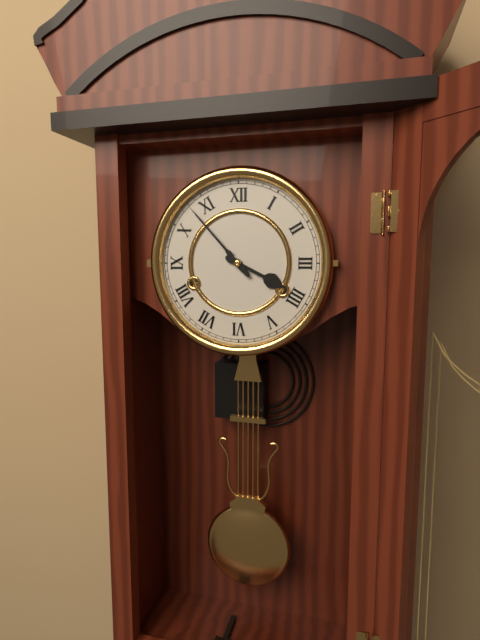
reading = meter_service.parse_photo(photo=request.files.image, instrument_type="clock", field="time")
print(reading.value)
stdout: 3:53
